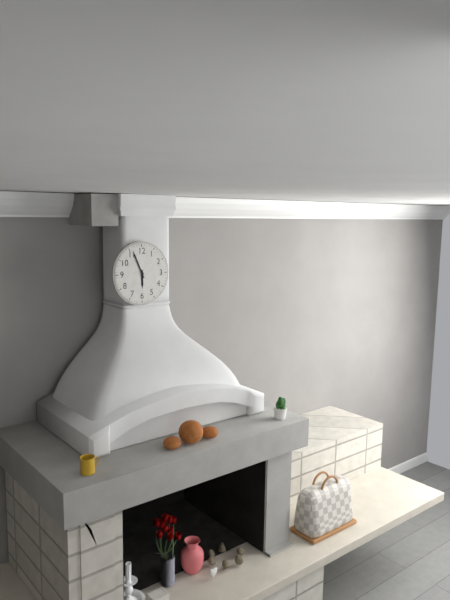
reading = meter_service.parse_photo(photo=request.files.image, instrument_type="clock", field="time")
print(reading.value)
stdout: 5:56
